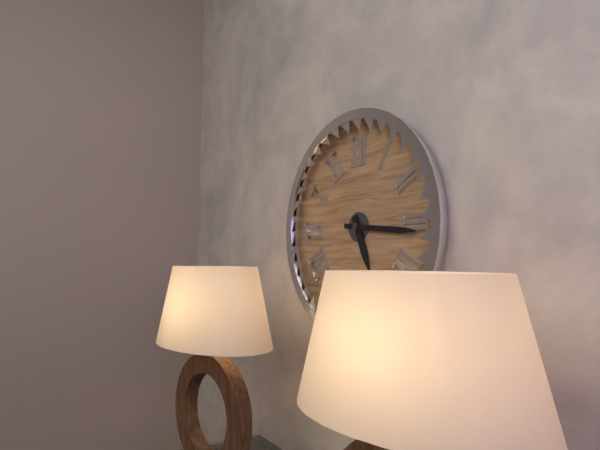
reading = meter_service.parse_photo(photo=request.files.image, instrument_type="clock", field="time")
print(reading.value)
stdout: 5:16
